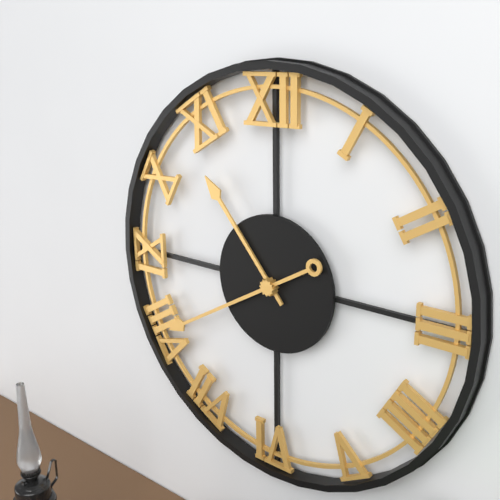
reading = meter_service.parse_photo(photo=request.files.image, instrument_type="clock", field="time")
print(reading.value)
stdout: 10:40
